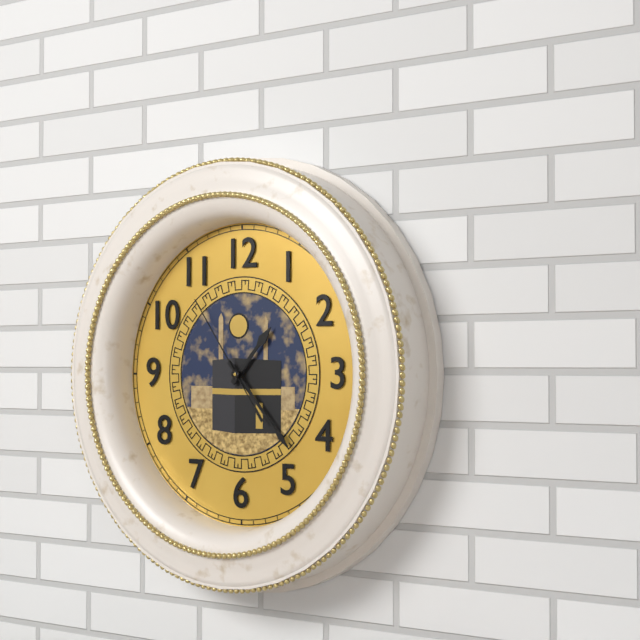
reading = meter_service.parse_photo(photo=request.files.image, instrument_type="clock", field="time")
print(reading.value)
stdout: 1:23:54
